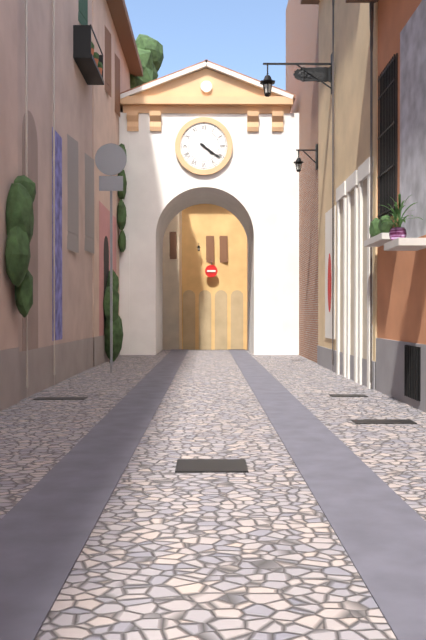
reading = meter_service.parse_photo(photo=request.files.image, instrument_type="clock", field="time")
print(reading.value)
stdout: 4:21
